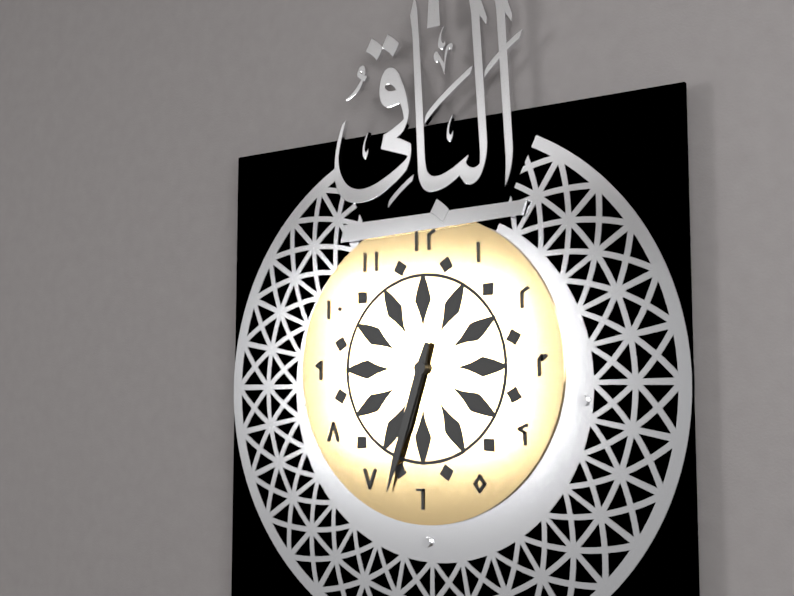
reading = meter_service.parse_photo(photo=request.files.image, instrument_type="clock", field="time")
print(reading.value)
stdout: 6:33
